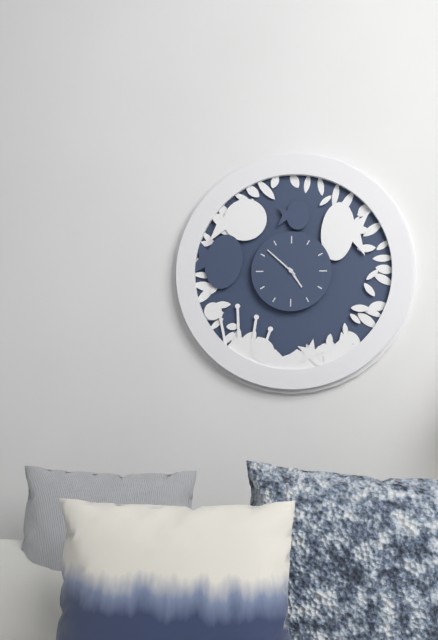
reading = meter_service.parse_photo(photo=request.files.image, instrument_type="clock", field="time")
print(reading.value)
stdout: 4:52
